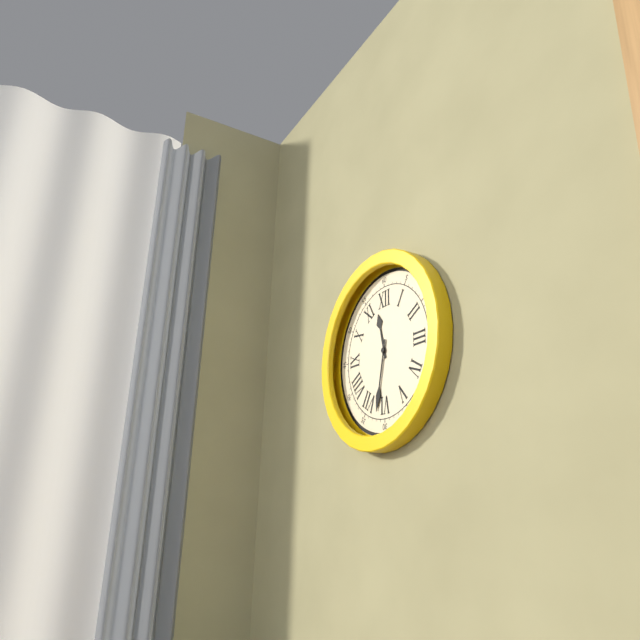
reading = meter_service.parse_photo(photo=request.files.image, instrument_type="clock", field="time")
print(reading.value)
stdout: 11:32
